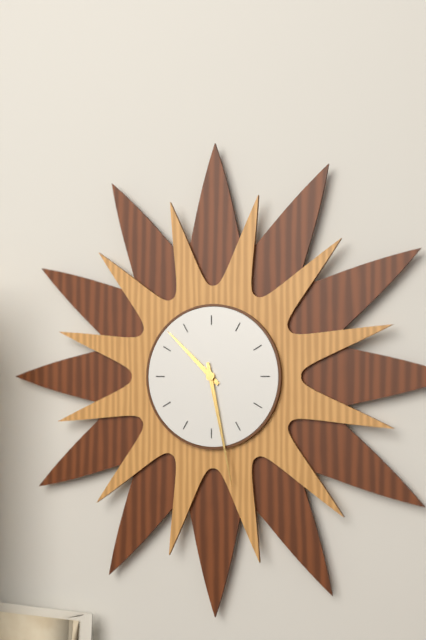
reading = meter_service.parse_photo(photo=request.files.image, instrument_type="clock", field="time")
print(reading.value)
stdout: 10:28
